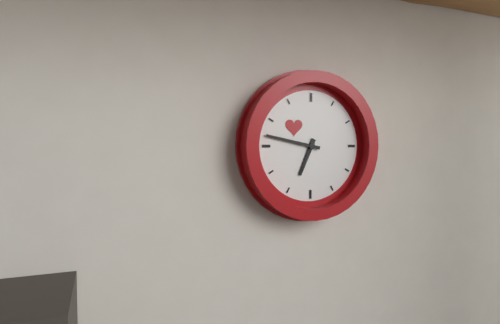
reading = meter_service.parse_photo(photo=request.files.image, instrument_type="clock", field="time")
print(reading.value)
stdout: 6:47
